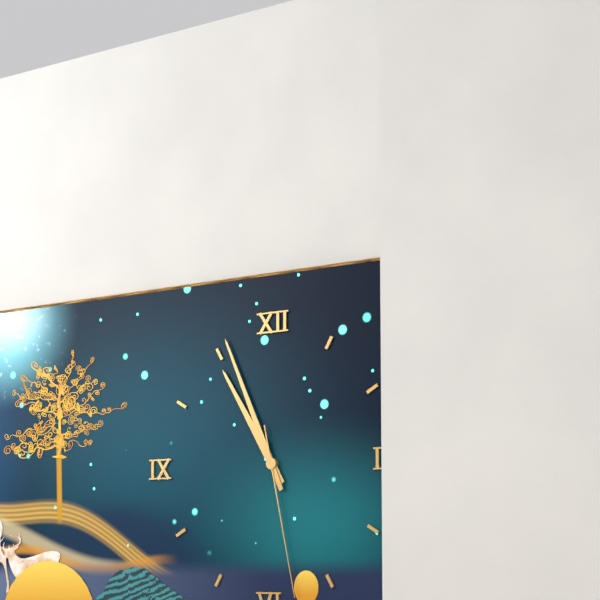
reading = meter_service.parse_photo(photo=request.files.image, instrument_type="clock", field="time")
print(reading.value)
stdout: 10:56:28
